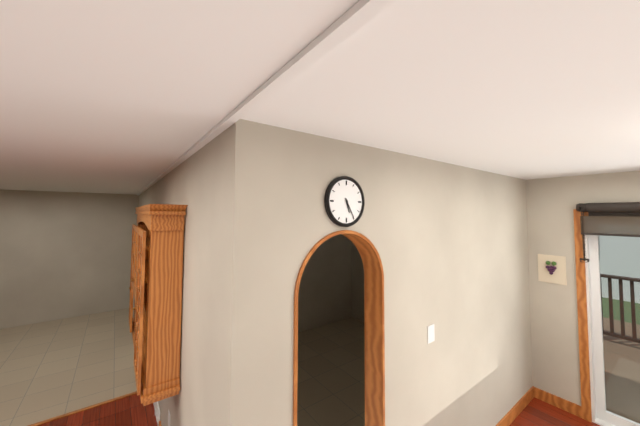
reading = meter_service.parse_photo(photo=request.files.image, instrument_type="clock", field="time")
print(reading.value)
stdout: 5:25
